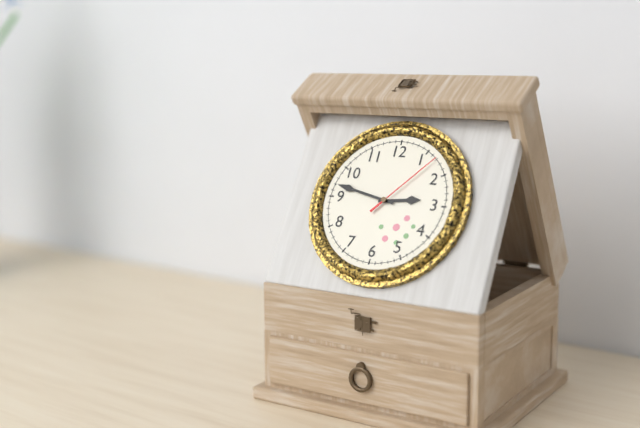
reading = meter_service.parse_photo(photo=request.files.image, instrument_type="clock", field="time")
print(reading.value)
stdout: 2:47:07
